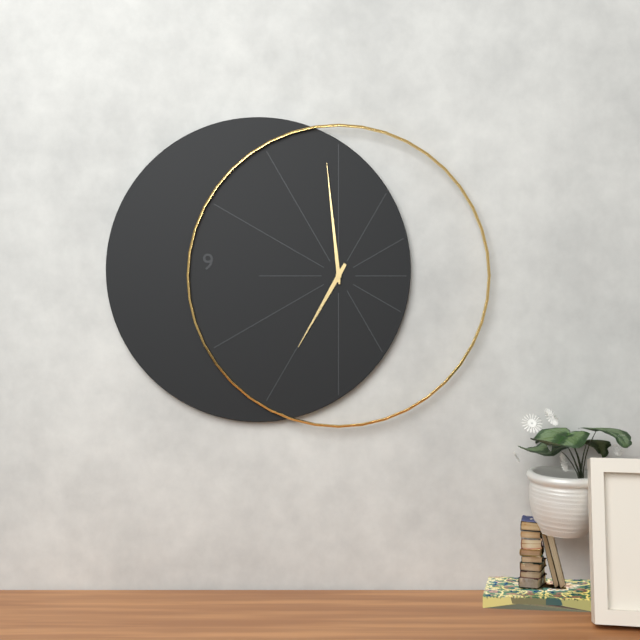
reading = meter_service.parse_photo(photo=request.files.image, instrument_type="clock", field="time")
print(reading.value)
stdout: 6:59
